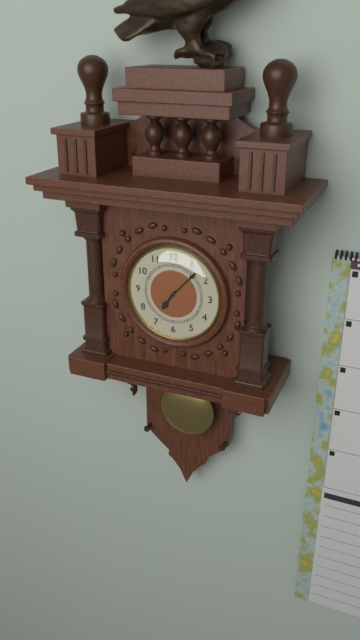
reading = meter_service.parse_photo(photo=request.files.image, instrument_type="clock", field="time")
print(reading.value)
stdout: 7:07
